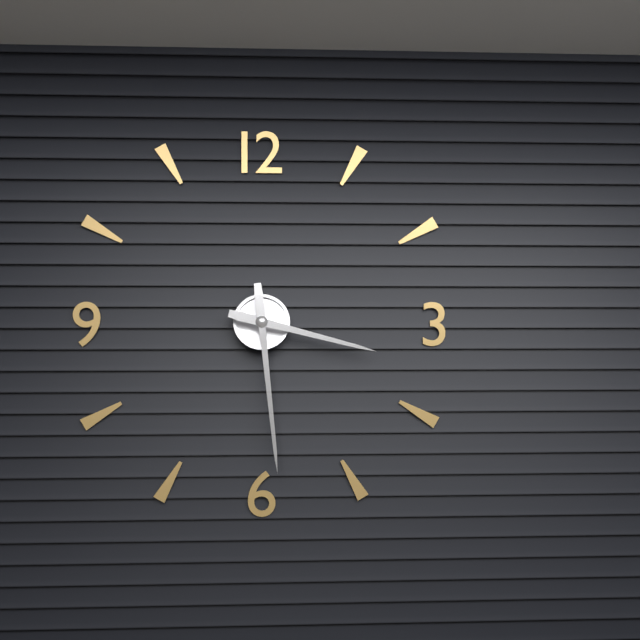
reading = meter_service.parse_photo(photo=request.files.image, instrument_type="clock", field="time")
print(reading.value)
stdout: 3:29
